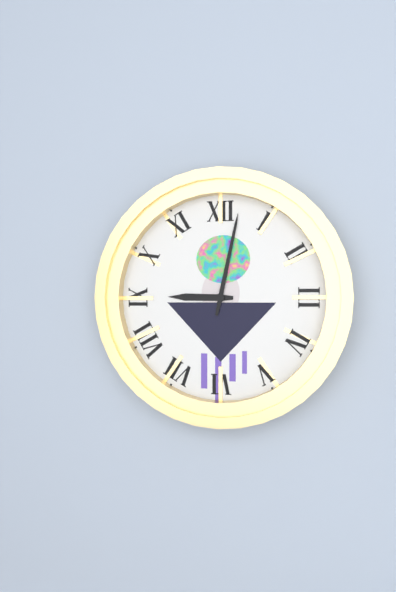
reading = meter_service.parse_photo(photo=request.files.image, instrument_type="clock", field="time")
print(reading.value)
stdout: 9:02
